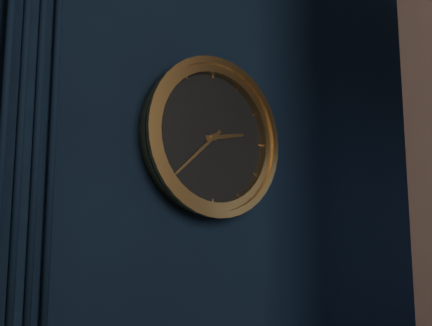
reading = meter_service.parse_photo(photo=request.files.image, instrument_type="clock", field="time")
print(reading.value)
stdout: 2:38
